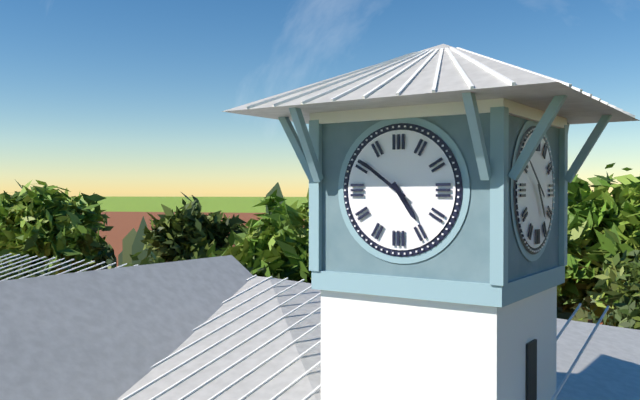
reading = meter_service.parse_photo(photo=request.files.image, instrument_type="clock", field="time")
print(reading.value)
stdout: 4:51
